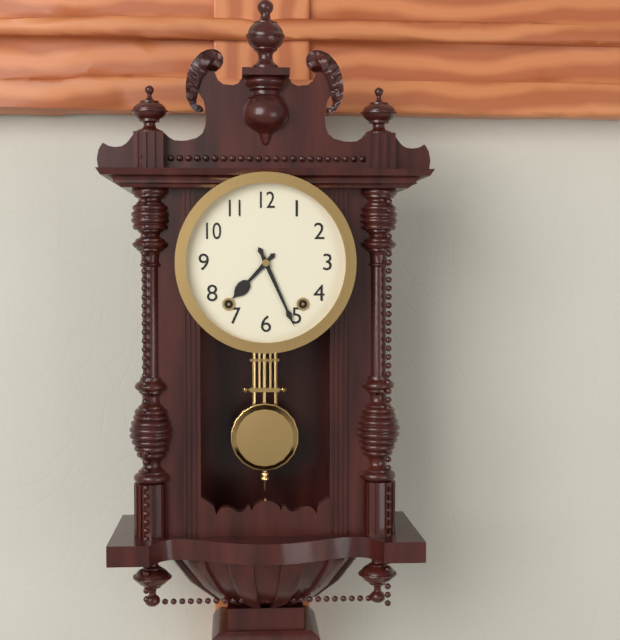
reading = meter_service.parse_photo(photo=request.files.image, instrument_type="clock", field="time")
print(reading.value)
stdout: 7:26
